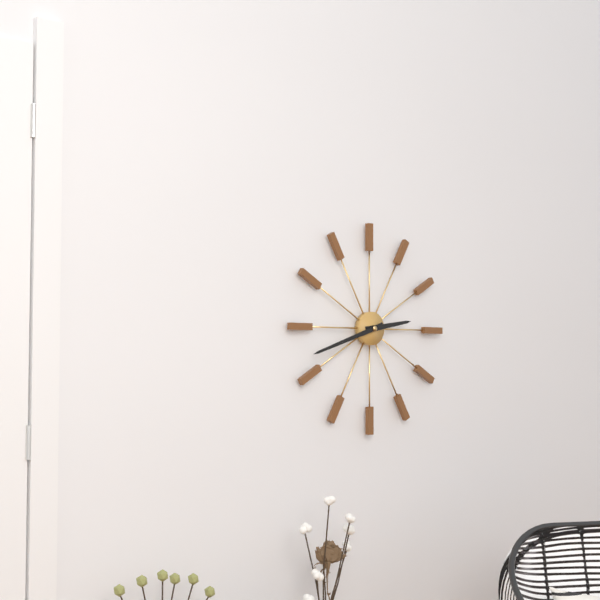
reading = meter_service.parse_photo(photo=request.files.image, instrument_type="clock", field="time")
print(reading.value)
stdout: 2:42
